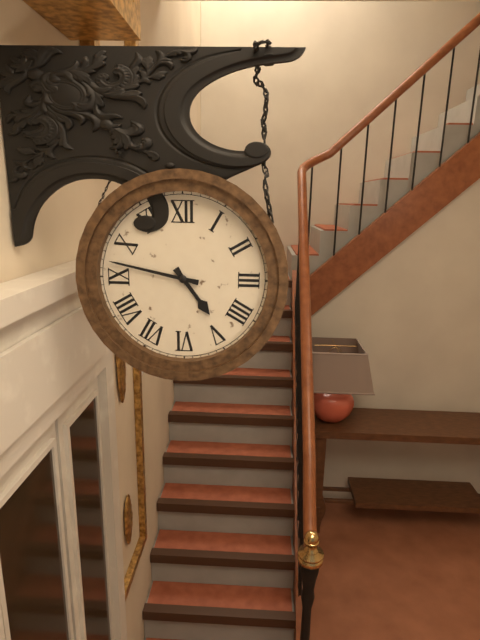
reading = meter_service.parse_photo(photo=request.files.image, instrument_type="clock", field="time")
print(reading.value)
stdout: 4:47
